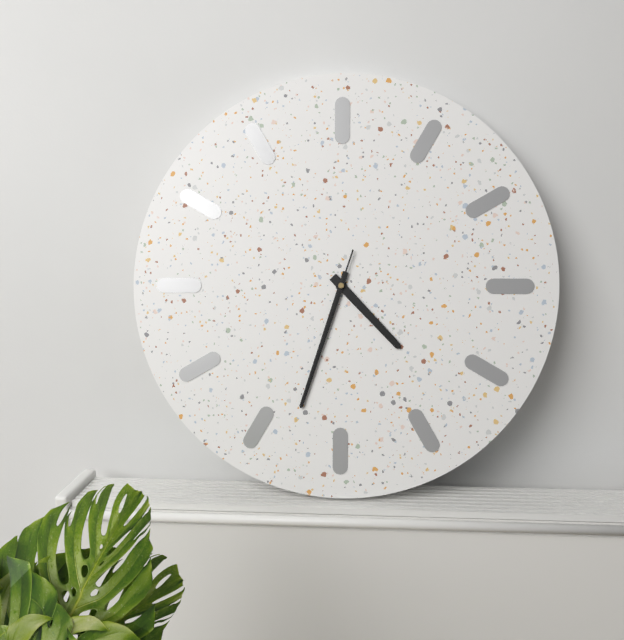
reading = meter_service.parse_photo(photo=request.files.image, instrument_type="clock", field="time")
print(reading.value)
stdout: 4:33:33
